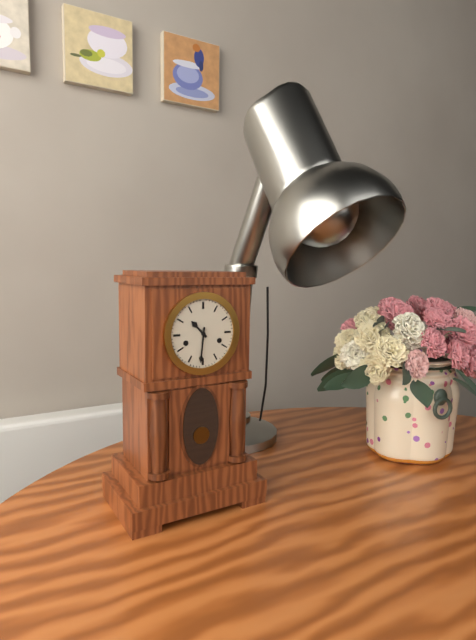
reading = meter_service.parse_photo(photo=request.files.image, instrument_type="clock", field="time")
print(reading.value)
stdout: 10:31
